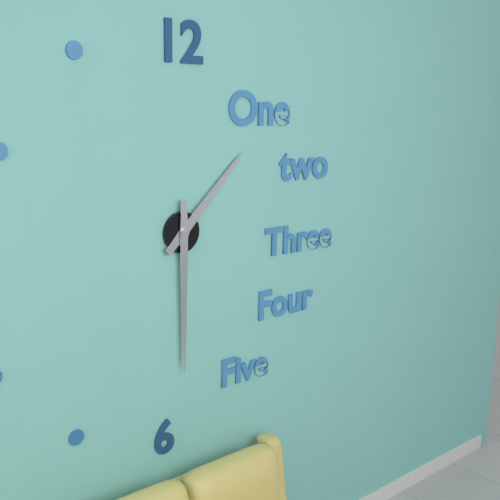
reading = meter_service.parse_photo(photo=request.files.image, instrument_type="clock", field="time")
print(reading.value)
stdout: 1:30
